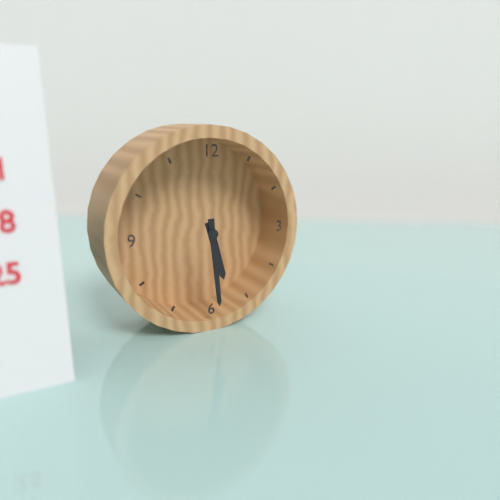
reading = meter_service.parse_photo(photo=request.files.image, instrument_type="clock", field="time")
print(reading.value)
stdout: 5:29
